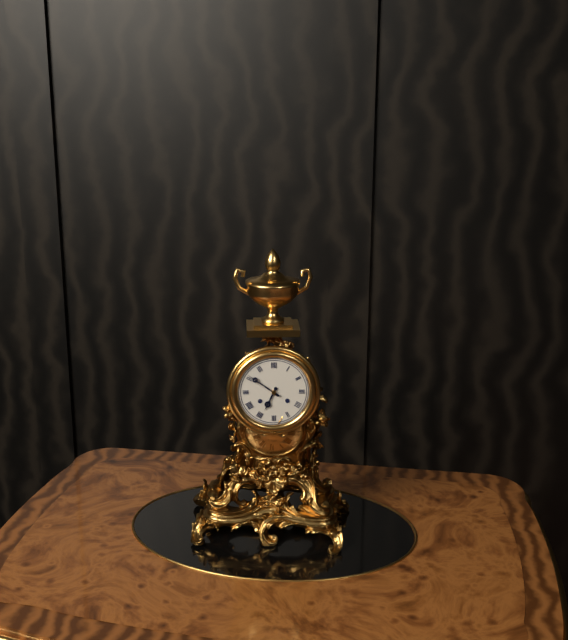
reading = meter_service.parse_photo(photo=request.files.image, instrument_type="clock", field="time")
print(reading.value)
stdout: 6:51
